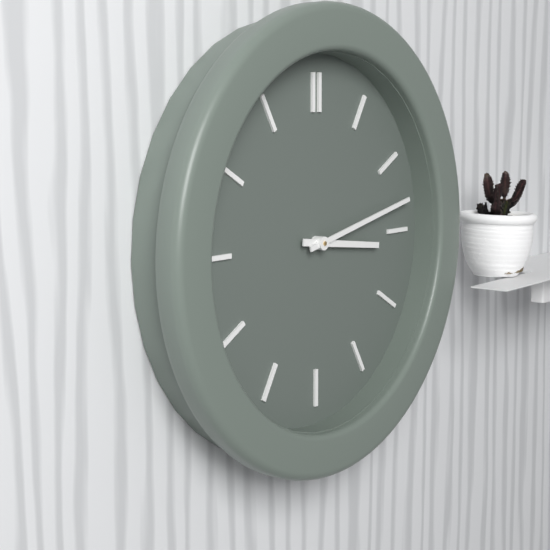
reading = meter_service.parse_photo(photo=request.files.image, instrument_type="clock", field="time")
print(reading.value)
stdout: 3:13
